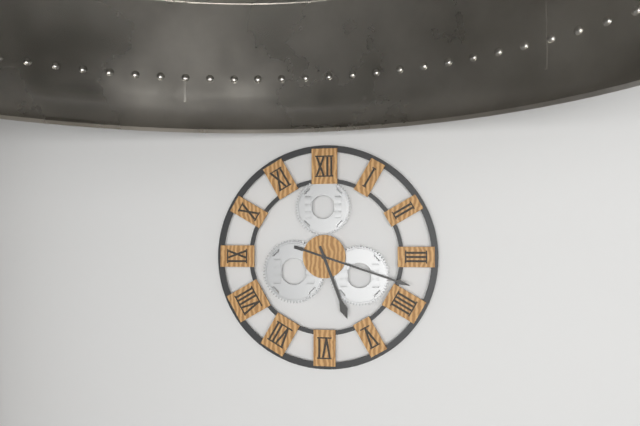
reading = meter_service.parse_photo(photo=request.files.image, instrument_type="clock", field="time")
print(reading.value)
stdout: 5:18
